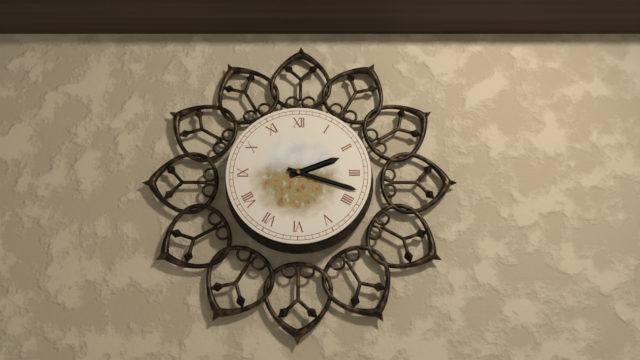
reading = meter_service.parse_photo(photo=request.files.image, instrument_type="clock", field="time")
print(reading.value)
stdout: 2:18
